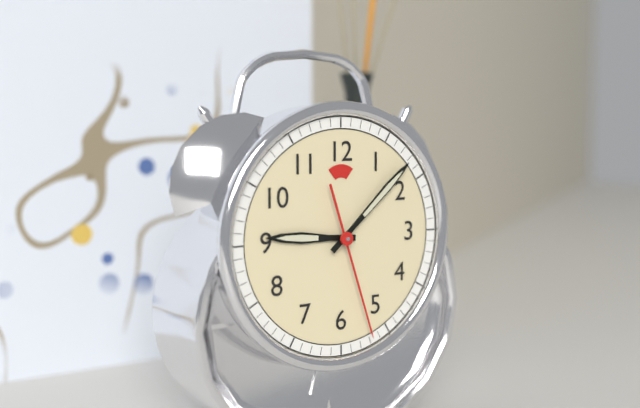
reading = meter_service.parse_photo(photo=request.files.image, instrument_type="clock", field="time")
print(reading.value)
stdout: 9:08:27
